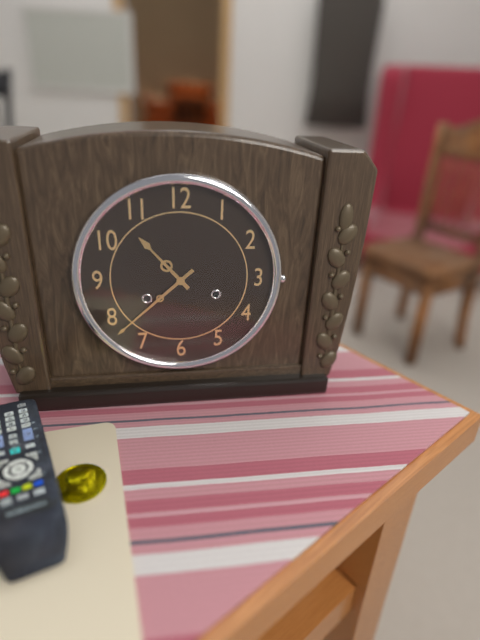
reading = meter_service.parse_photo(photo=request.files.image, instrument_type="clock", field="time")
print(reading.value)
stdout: 10:38
